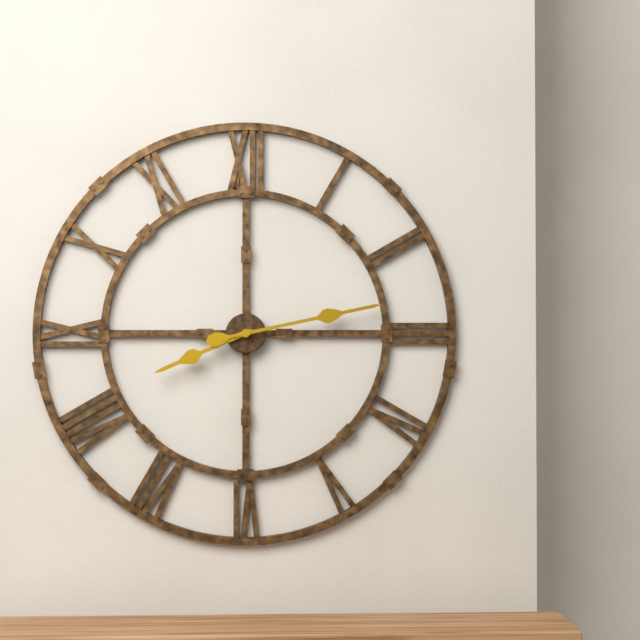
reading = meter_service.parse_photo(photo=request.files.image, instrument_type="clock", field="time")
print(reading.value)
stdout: 8:13
